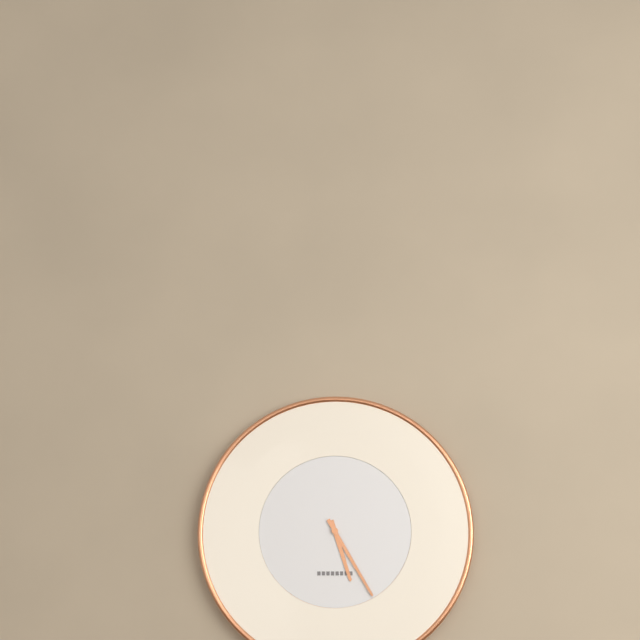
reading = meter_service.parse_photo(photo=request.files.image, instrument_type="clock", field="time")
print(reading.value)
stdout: 5:25
